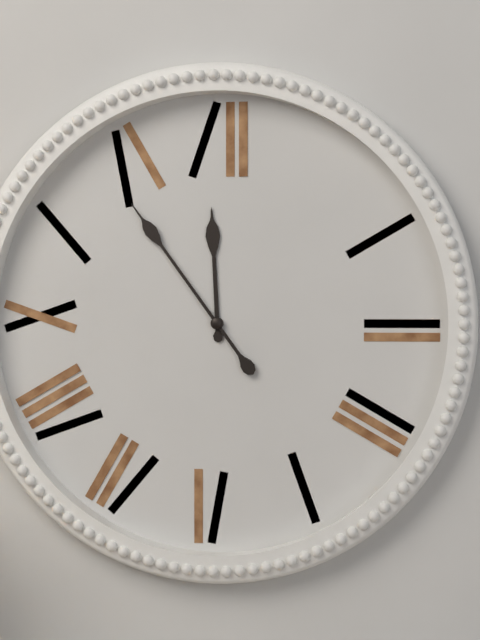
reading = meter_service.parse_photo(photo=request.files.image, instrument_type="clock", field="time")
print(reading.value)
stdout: 11:54
